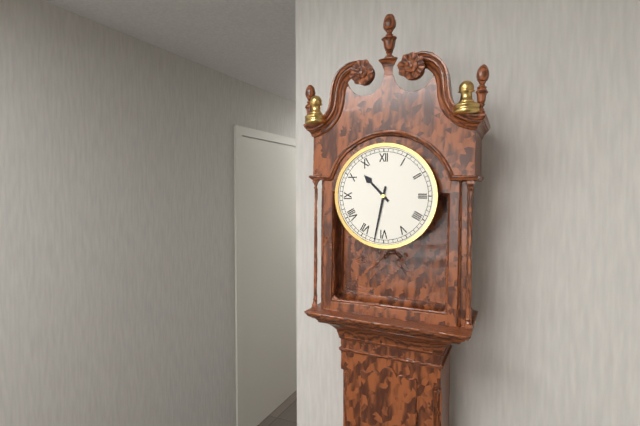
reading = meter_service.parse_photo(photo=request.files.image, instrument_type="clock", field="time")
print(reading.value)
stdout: 10:32
